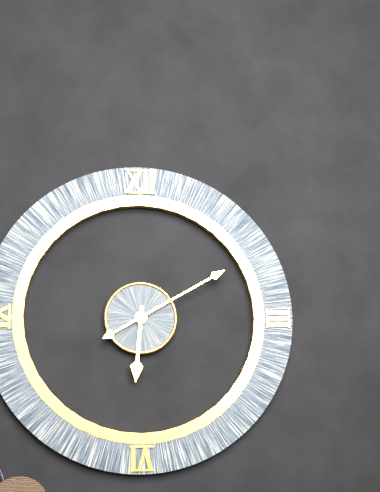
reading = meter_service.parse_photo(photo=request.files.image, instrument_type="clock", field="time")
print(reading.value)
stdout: 6:10
